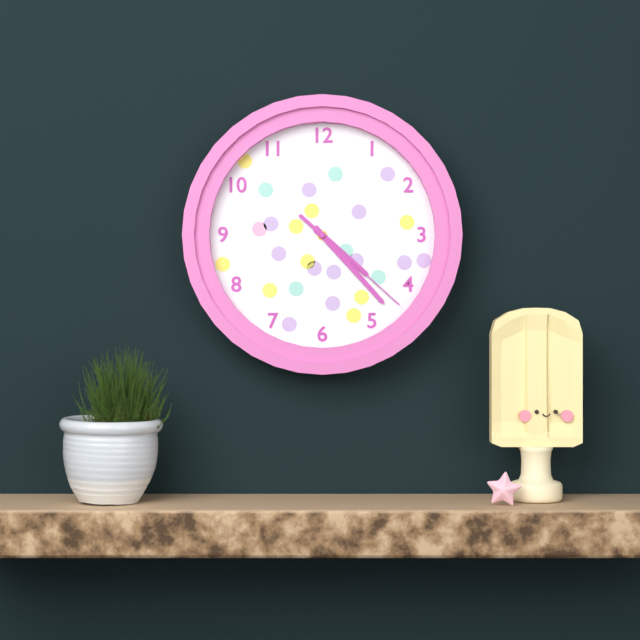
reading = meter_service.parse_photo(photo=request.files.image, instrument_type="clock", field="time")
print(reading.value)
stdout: 4:23:22
